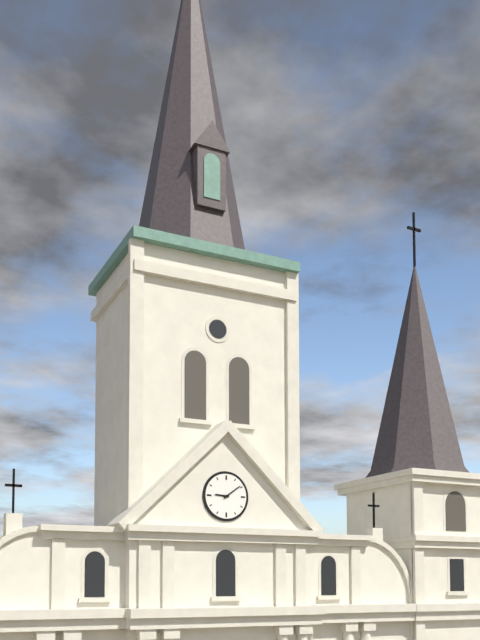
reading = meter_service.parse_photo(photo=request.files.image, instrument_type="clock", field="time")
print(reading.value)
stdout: 9:09
